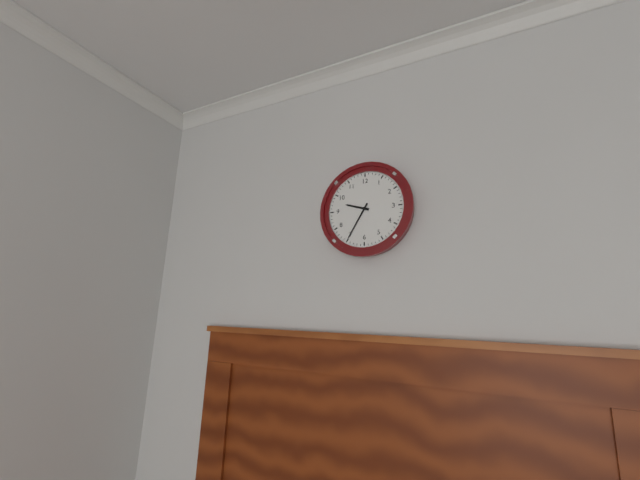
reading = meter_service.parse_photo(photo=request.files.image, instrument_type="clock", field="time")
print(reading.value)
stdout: 9:35
